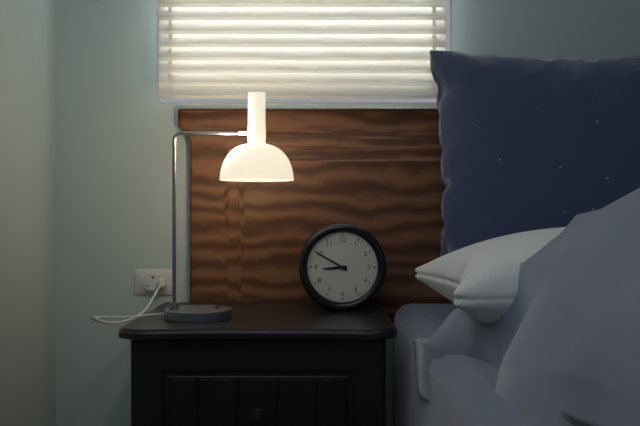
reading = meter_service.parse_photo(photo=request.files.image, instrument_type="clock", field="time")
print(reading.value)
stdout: 8:50
